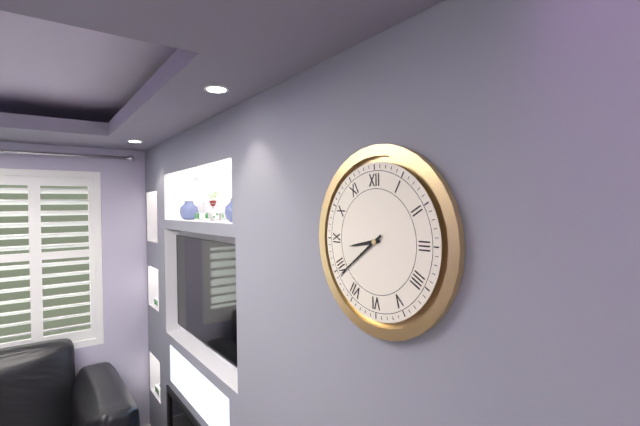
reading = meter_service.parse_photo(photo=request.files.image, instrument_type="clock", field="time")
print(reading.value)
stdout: 8:39
